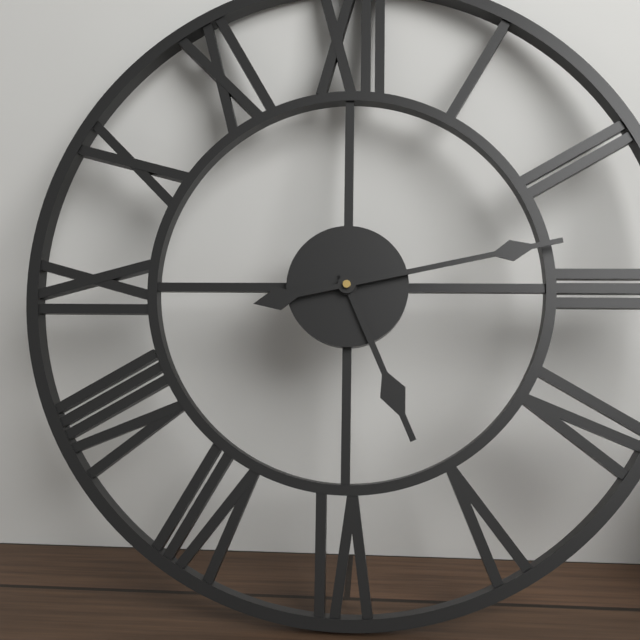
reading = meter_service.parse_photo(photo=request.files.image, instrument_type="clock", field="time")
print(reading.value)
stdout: 5:13
